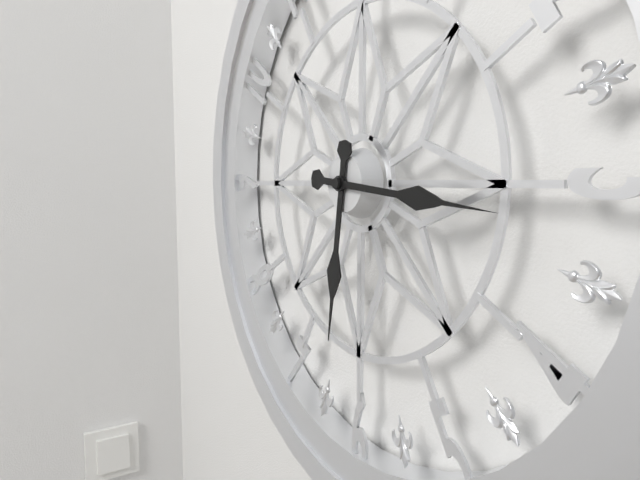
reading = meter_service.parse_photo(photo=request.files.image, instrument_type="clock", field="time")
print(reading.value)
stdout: 6:16
